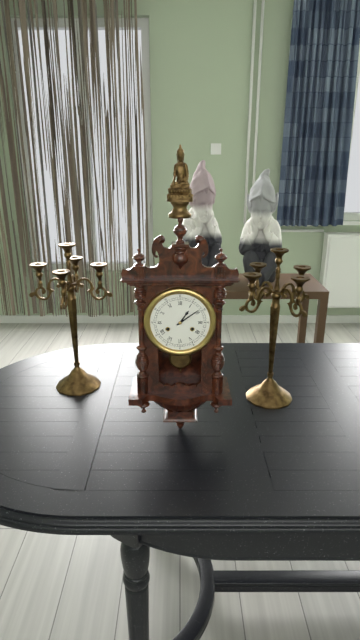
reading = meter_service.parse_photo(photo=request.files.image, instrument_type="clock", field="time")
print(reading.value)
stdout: 1:09
